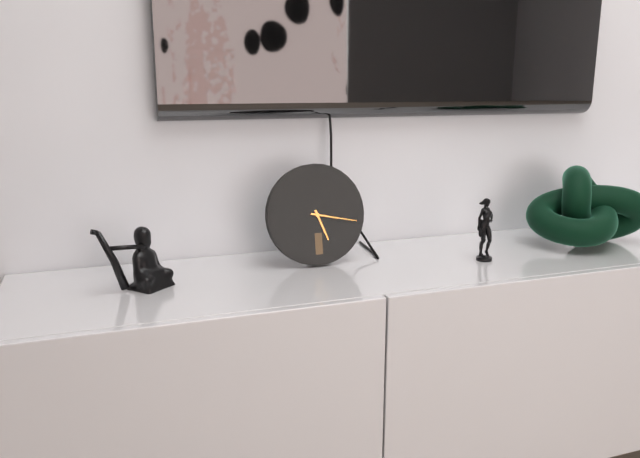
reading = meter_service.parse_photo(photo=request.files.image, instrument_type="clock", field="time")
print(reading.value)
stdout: 5:17
